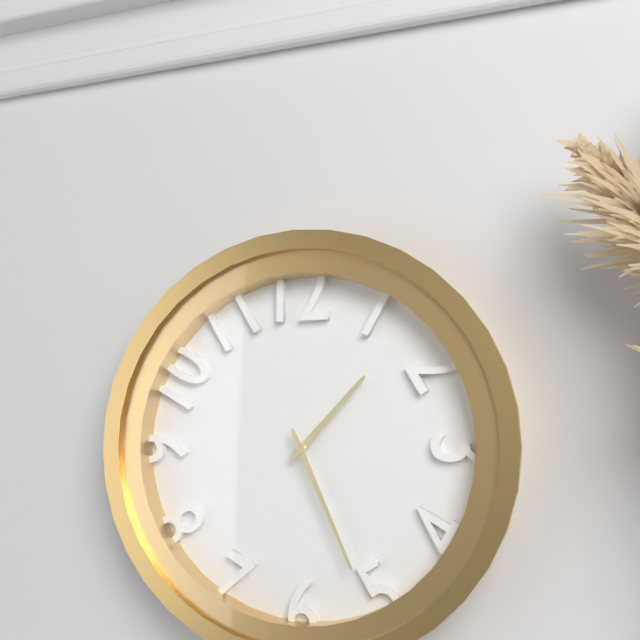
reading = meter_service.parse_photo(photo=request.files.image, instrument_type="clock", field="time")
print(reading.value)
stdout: 1:26
